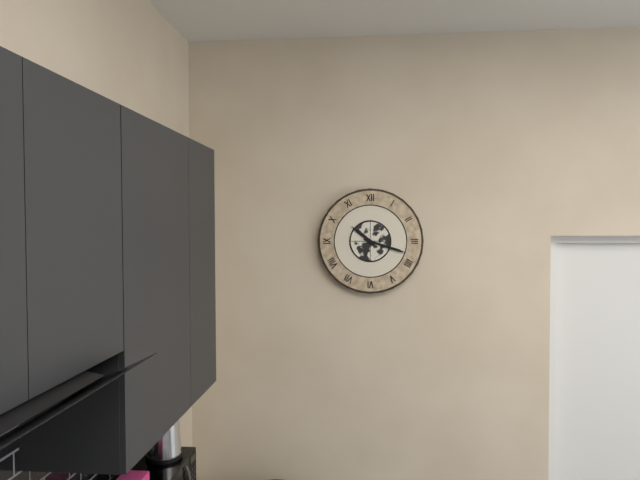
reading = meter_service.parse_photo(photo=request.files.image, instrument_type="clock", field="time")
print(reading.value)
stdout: 10:18
